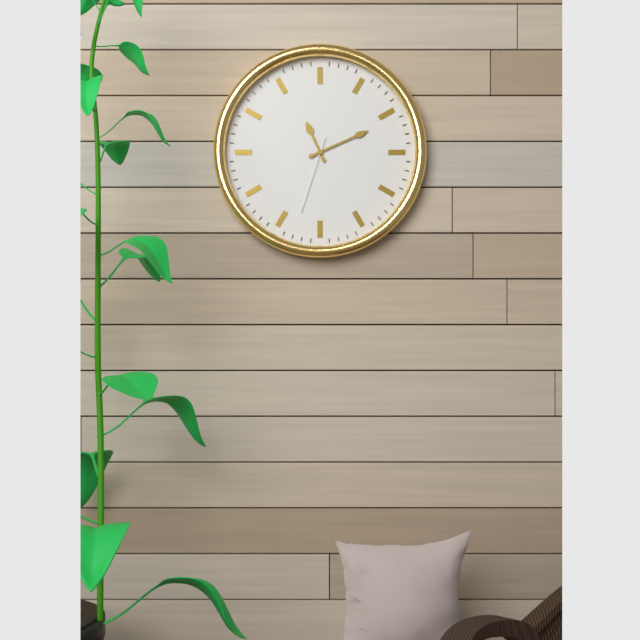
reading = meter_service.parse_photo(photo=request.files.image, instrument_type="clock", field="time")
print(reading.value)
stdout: 11:11:33
